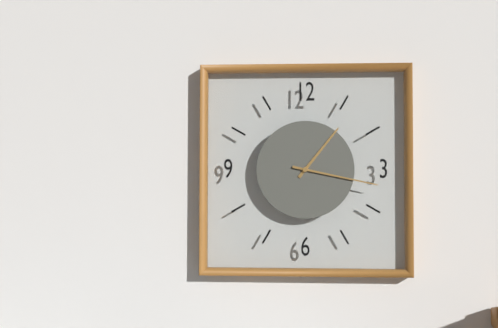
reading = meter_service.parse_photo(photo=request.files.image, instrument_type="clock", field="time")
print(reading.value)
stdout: 1:17
